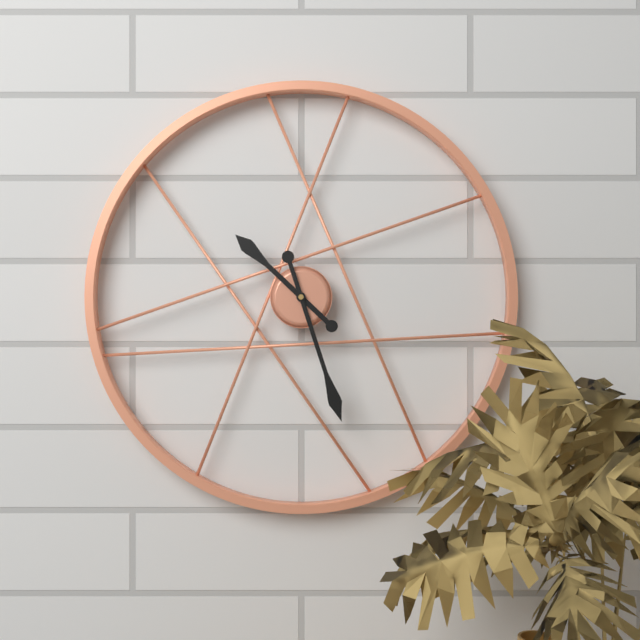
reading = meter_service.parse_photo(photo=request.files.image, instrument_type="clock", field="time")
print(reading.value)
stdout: 10:27
